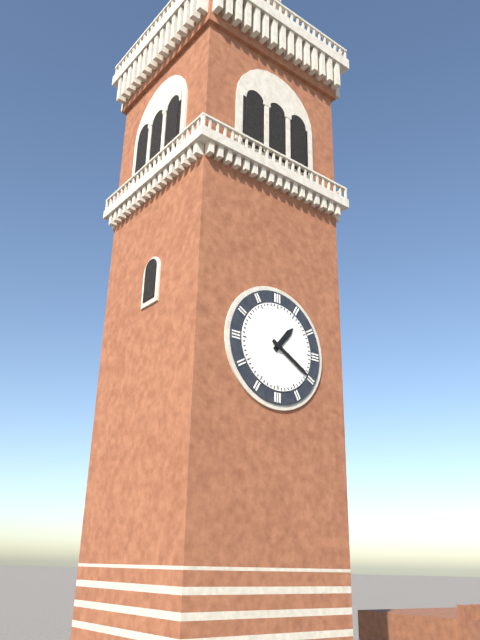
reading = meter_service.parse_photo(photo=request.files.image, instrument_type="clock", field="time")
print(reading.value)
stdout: 1:20
